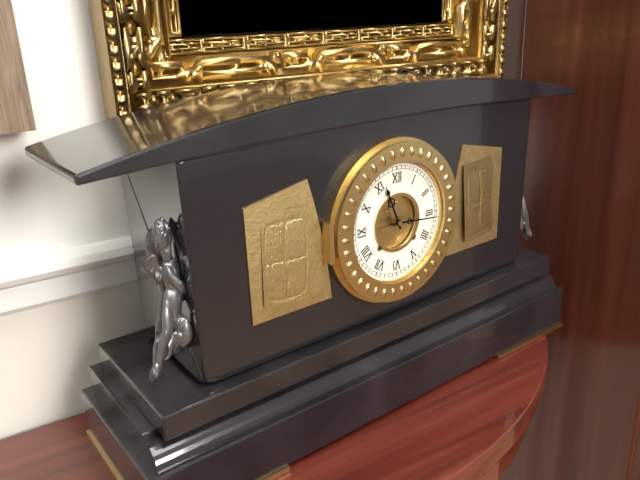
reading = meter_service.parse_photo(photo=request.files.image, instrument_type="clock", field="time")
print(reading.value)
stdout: 11:16
